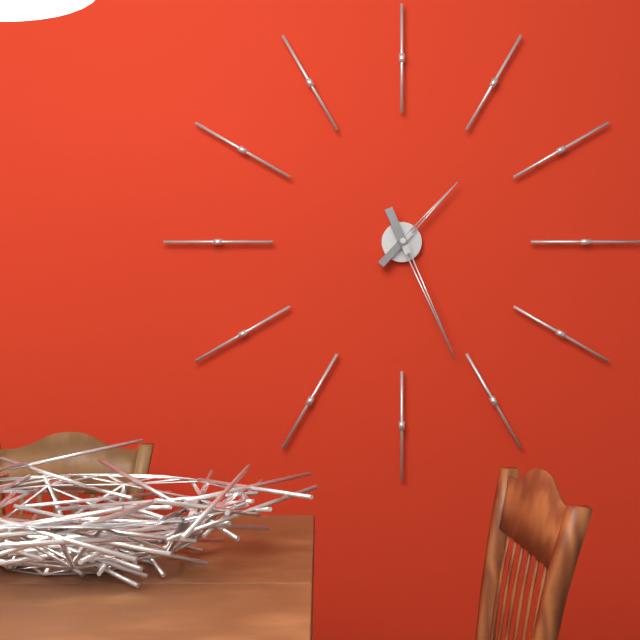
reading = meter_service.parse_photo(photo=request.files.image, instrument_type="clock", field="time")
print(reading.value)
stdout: 1:26
